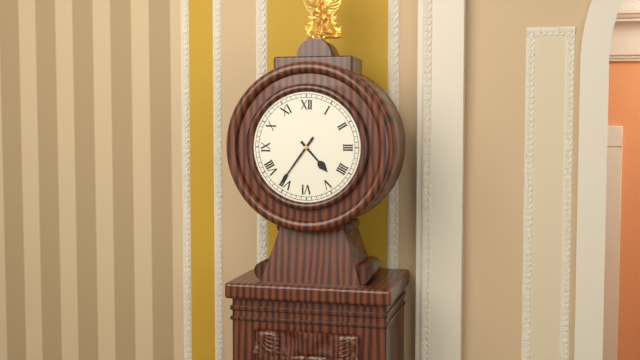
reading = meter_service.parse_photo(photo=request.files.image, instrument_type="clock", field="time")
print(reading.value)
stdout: 4:36
